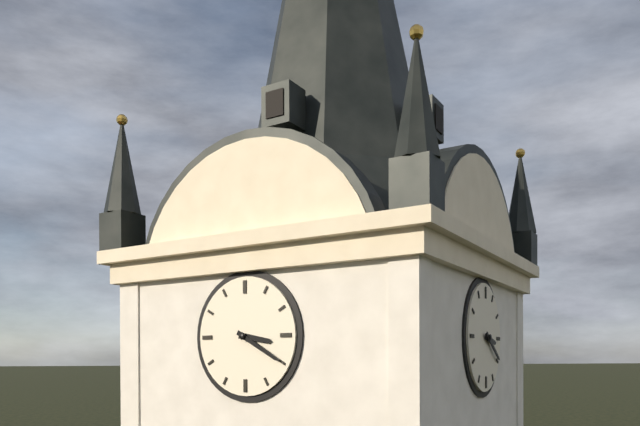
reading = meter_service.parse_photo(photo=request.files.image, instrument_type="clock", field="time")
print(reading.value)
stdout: 3:20
